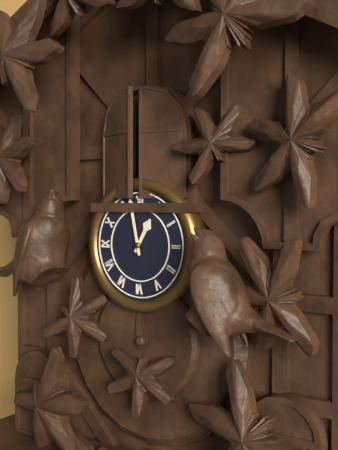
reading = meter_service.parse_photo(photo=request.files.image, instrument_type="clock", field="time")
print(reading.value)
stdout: 12:58
